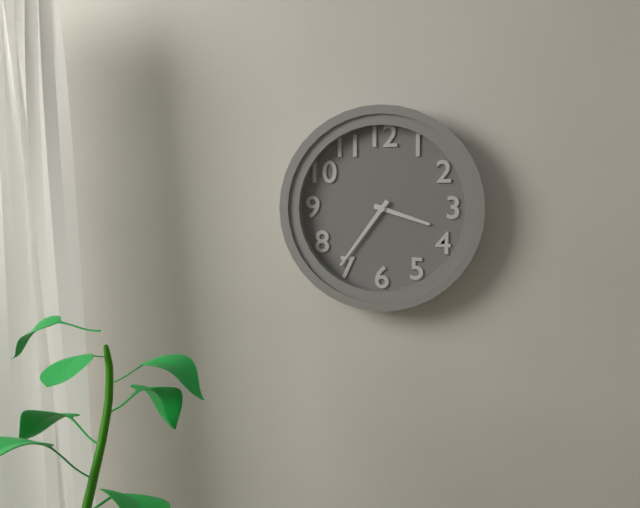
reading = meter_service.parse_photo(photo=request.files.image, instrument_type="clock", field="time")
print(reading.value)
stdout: 3:36
